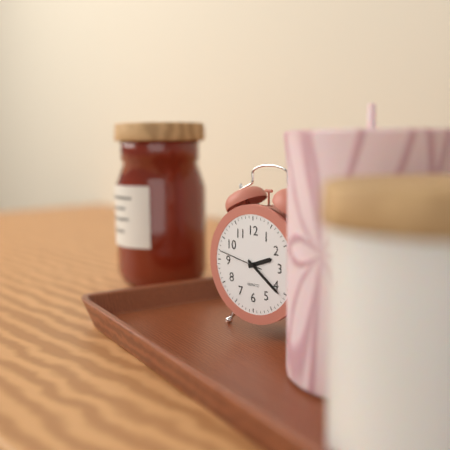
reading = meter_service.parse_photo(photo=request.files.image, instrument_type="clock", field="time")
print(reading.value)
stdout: 2:21
